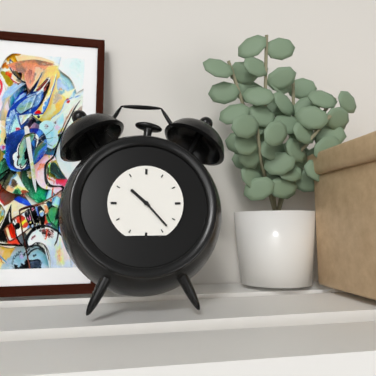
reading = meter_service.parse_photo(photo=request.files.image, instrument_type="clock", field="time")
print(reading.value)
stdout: 10:23
